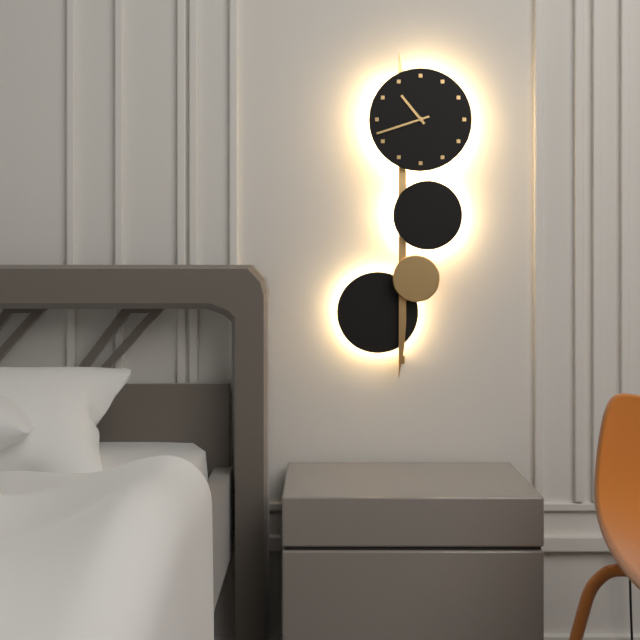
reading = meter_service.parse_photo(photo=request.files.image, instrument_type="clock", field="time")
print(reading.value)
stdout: 10:42
